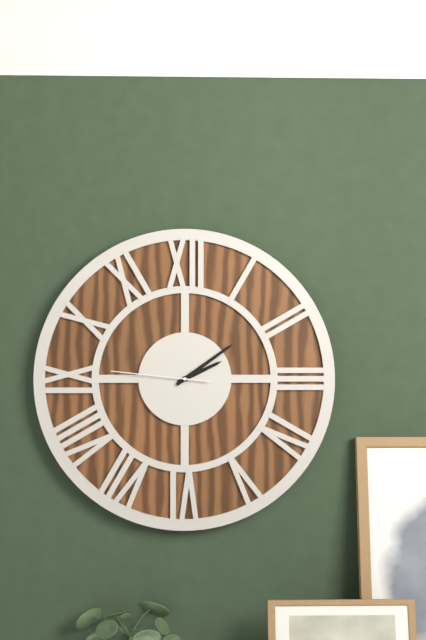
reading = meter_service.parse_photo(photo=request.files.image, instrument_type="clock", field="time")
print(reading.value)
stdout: 2:09:46
